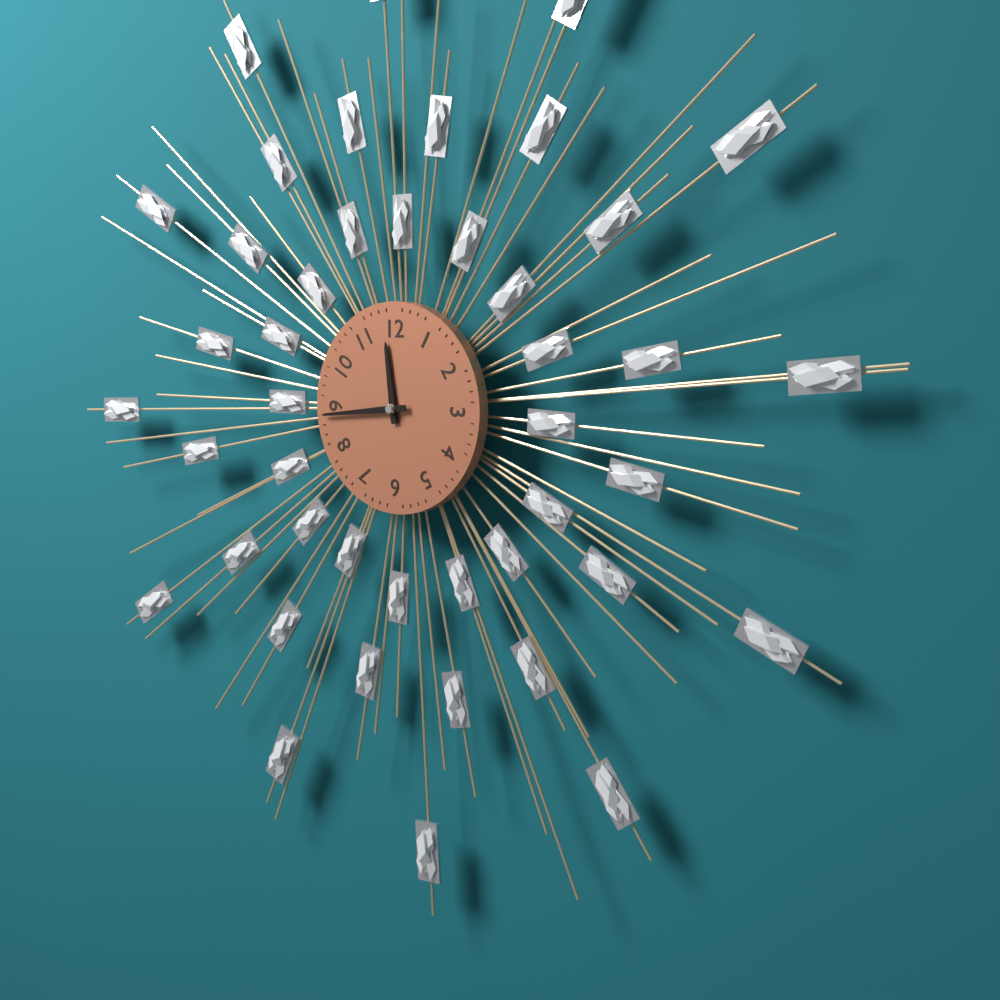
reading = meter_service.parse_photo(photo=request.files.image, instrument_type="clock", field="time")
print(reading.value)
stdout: 11:44
